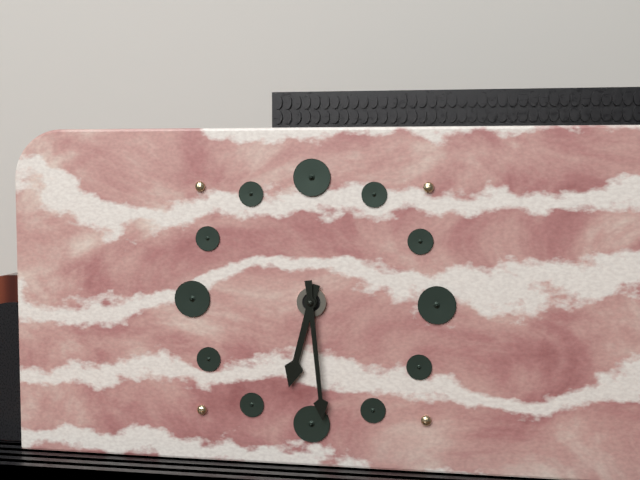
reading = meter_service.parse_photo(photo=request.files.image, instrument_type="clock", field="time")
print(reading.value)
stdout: 6:29
